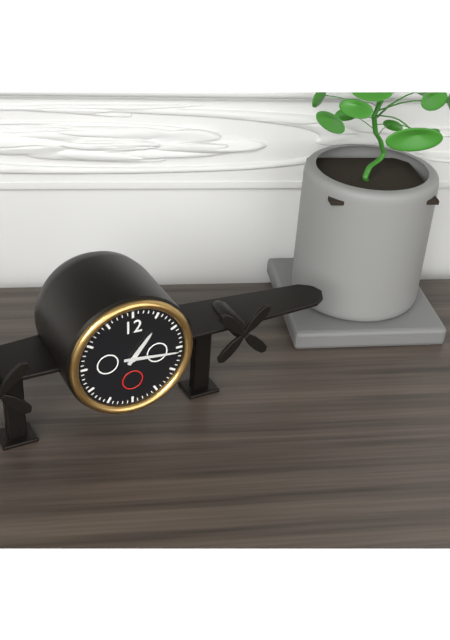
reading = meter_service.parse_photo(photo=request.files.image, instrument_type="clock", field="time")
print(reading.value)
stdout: 1:16
